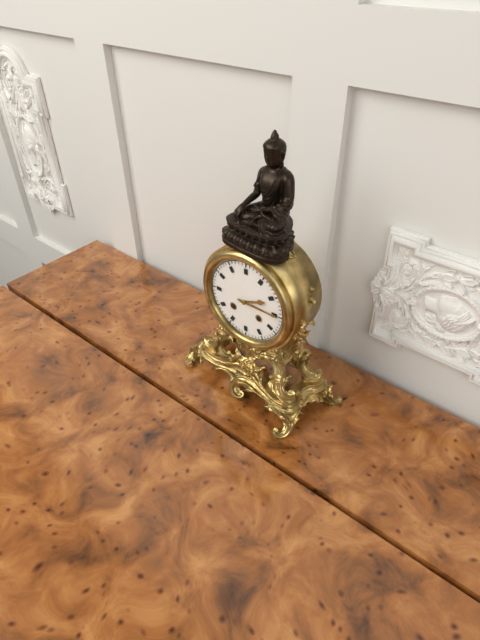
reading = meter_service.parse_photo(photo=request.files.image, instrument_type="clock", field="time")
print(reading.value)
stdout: 2:15
